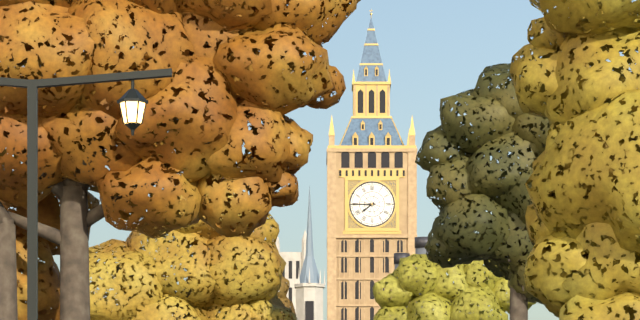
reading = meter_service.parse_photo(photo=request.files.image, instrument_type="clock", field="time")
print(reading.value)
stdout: 7:45
